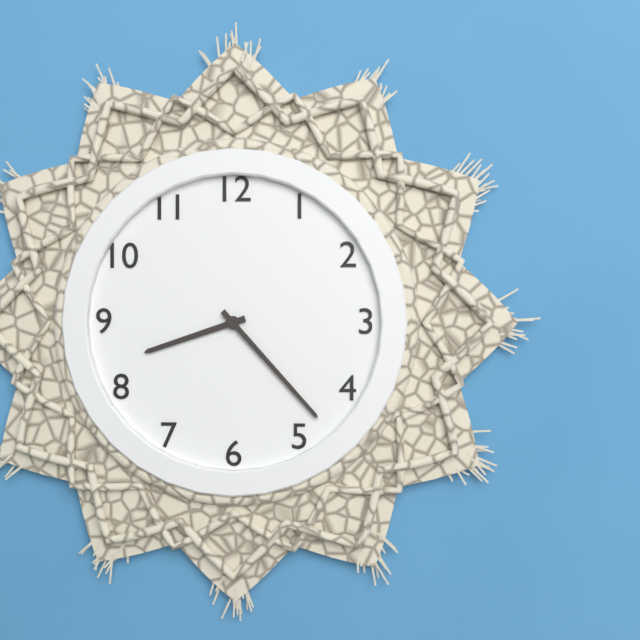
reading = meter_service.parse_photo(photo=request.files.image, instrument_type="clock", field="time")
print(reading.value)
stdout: 8:23
